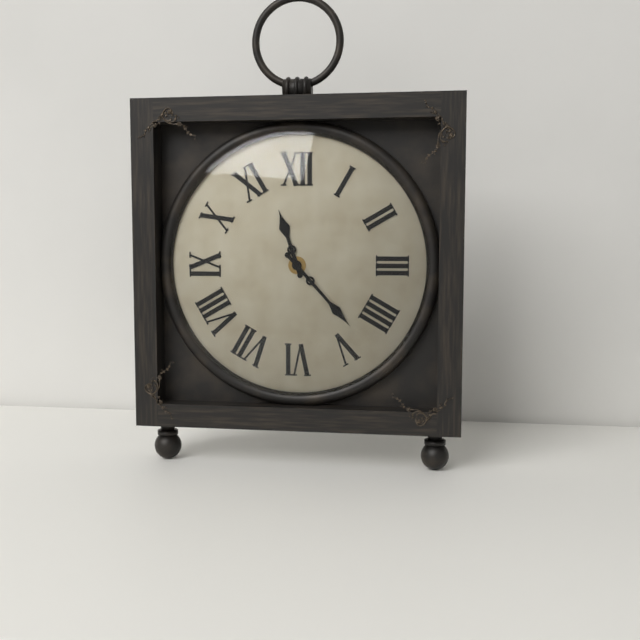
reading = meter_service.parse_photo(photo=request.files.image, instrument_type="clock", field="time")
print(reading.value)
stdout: 11:23
